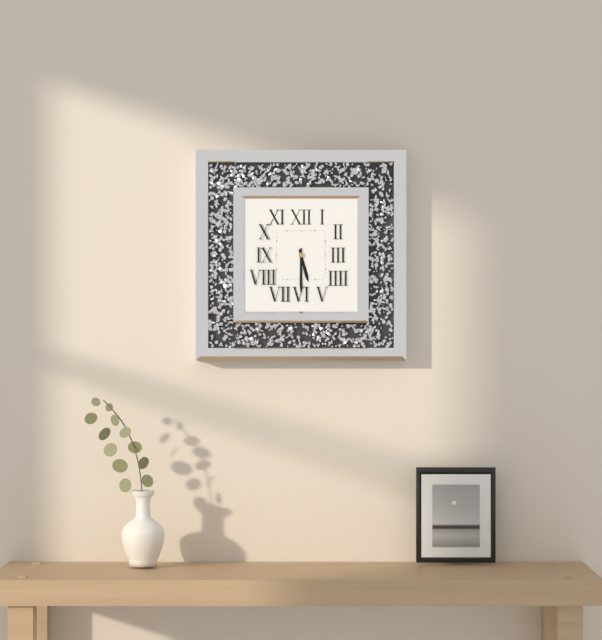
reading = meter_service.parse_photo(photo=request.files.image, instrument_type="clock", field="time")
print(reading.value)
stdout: 5:30
